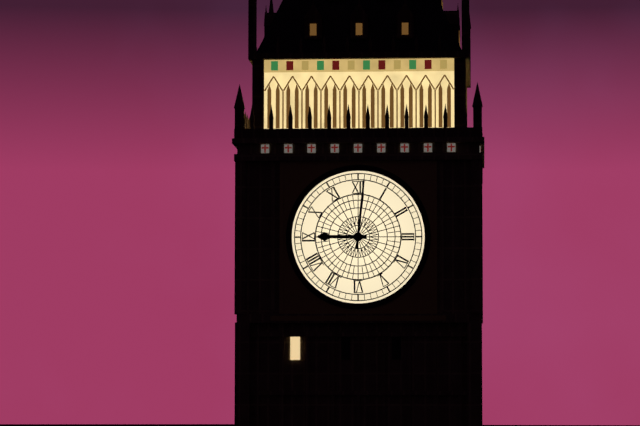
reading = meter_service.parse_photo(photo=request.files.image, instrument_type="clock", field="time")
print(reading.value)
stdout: 9:01
